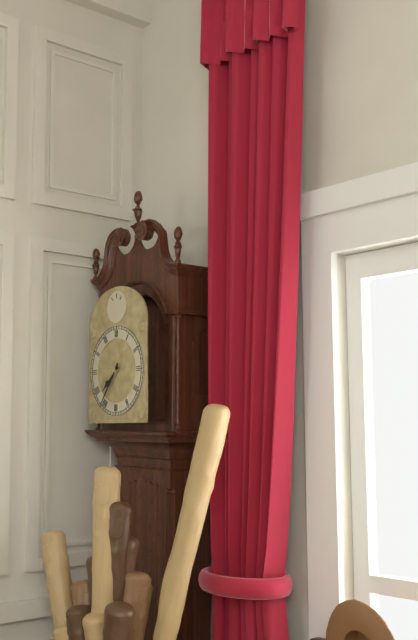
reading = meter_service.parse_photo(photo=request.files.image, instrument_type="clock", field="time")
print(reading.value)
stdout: 7:36
